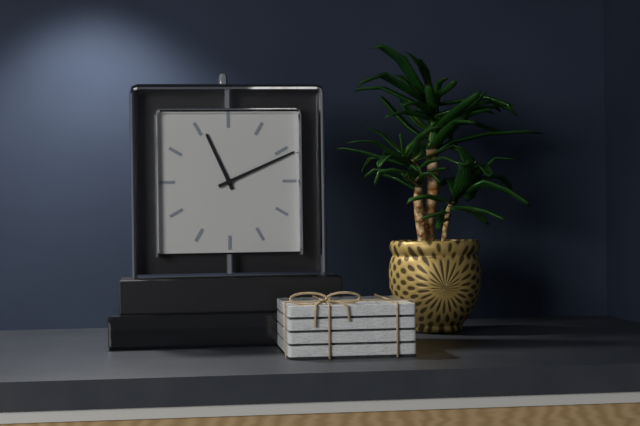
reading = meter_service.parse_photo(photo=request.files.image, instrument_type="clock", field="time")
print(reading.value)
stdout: 11:11
